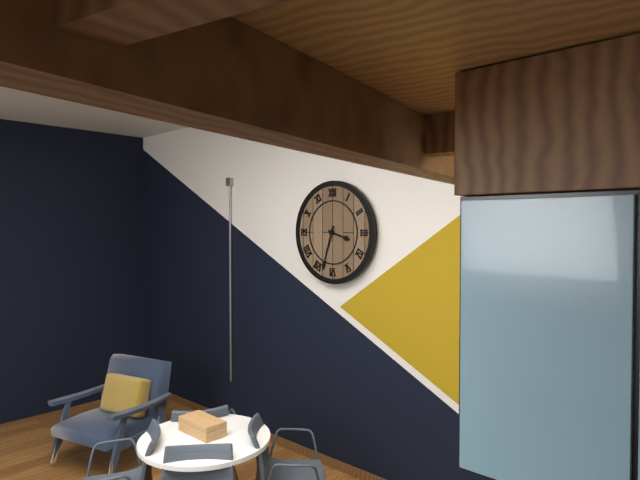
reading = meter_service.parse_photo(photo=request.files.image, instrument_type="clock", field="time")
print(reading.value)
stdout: 3:33
